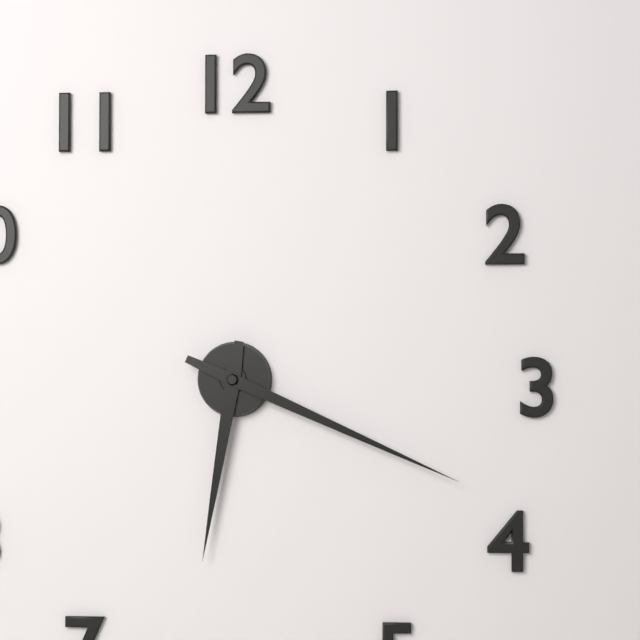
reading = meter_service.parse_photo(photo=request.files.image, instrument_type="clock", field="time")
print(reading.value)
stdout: 6:19
